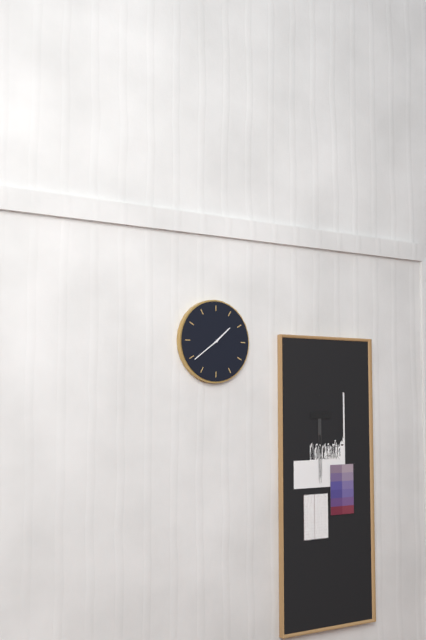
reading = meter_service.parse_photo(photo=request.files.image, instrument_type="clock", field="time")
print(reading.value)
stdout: 1:39
